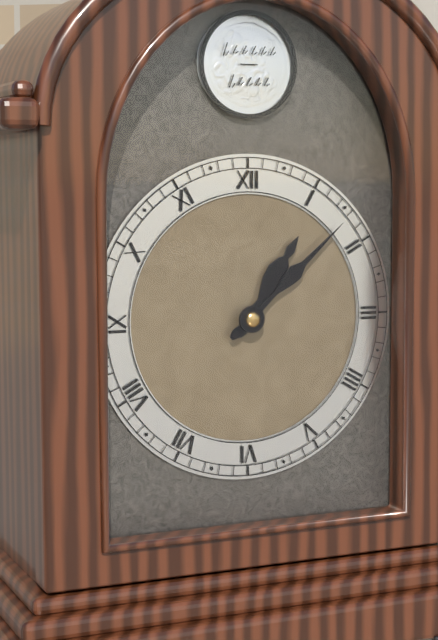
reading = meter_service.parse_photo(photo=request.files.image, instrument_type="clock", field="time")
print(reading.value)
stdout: 1:08
